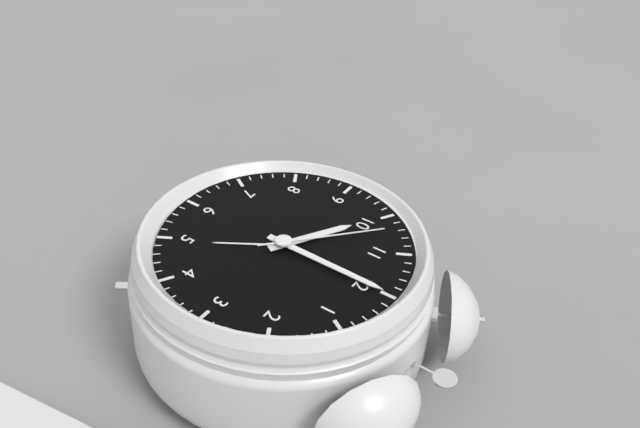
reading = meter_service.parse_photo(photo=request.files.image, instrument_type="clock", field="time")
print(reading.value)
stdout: 10:00:52
